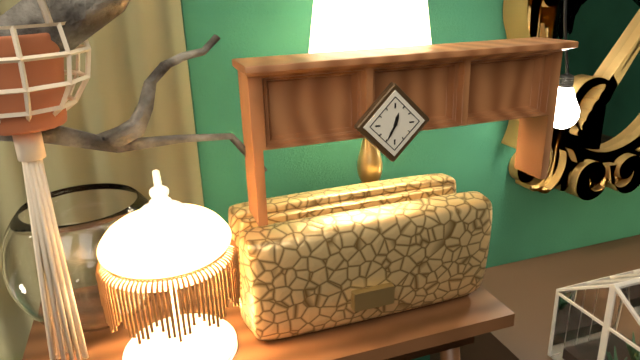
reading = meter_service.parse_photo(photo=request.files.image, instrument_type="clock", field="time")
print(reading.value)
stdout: 12:35
